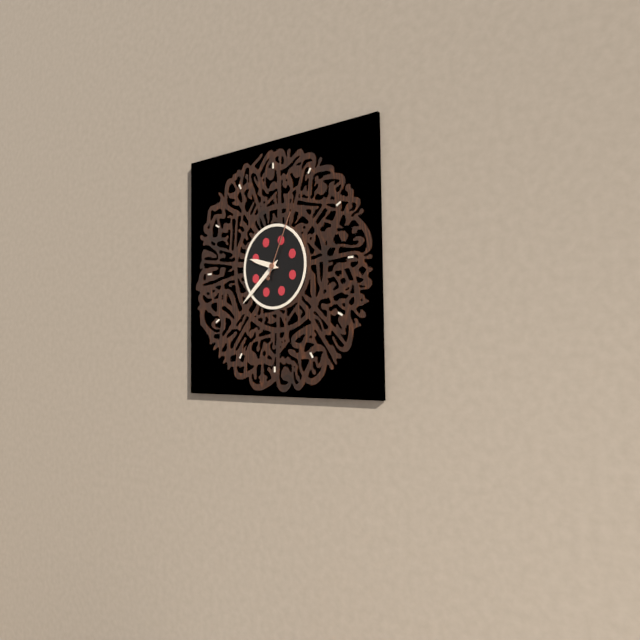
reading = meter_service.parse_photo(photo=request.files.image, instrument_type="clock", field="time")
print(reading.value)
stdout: 9:38:04
